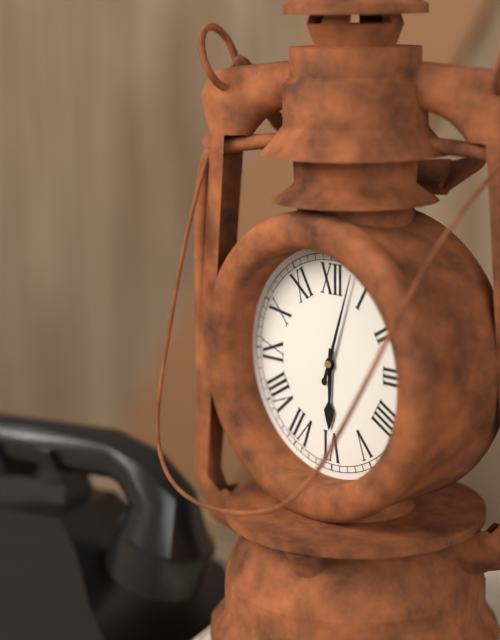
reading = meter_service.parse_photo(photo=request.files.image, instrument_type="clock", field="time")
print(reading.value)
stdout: 6:03
